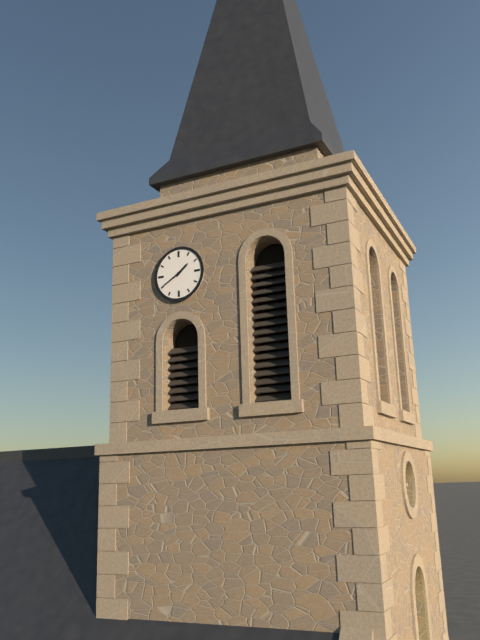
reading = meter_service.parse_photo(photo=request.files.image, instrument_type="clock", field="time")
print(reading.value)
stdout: 1:40
